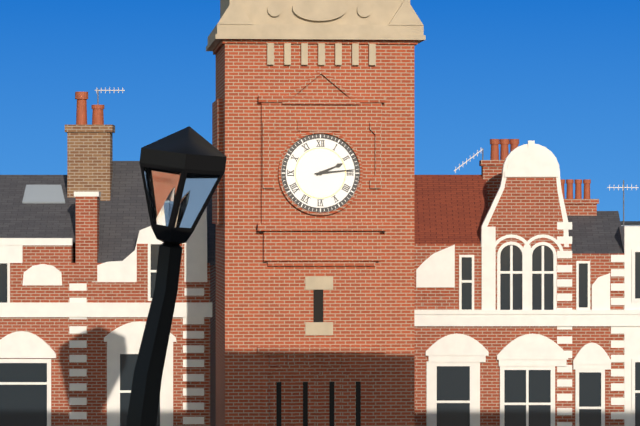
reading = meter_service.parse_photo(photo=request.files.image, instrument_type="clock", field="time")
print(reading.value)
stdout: 2:14
